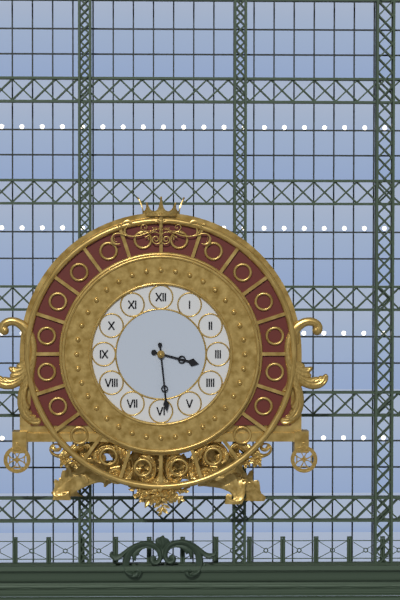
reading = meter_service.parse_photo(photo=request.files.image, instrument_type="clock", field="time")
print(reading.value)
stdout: 3:29
